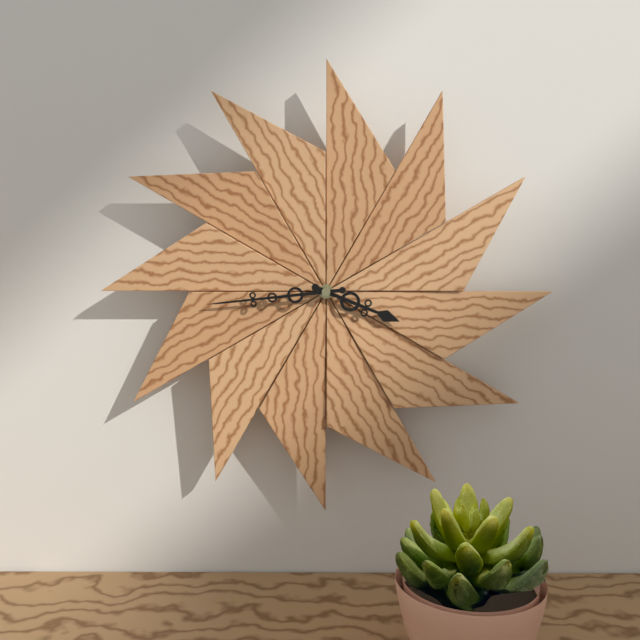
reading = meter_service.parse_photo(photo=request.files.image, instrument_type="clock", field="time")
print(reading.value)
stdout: 3:44
